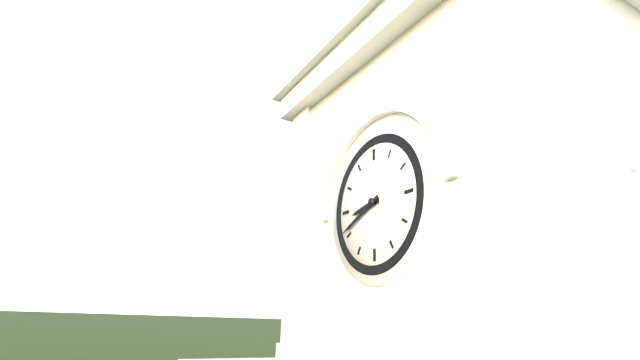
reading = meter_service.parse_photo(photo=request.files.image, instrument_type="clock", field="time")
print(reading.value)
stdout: 8:41
